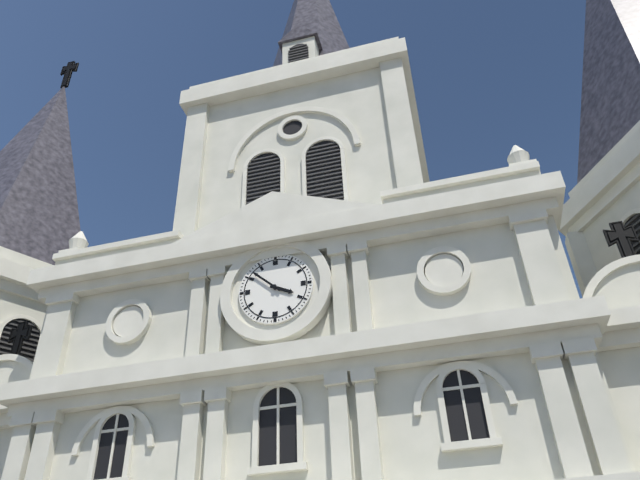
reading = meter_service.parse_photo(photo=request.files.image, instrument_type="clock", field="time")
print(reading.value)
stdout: 3:52
